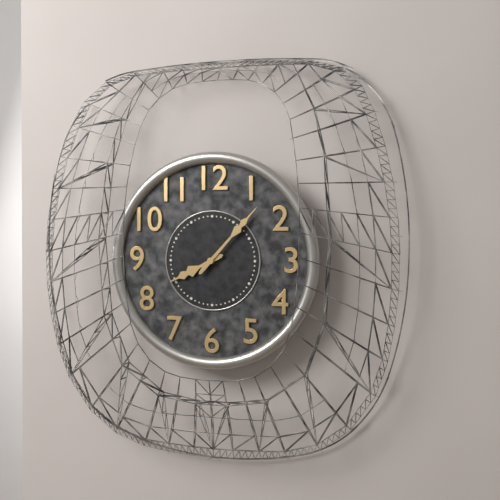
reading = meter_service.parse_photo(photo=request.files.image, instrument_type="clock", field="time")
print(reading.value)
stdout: 8:07
